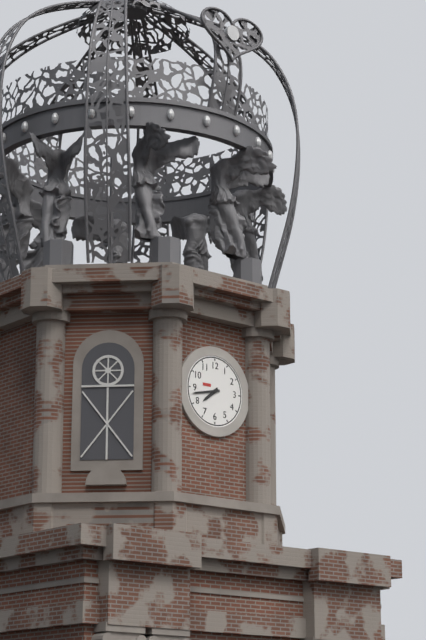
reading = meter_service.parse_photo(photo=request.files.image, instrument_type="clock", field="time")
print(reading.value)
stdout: 7:43
